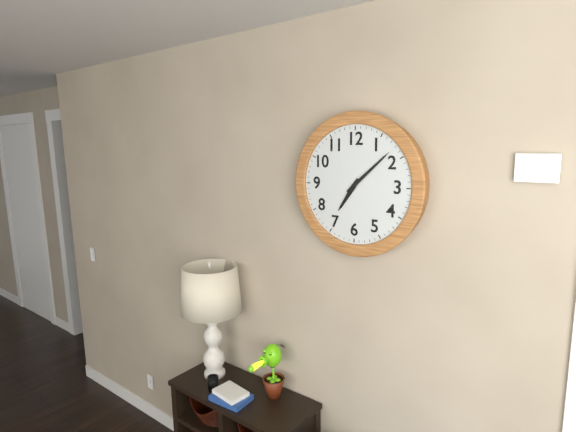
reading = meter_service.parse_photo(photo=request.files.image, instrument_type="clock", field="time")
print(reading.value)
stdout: 7:08
